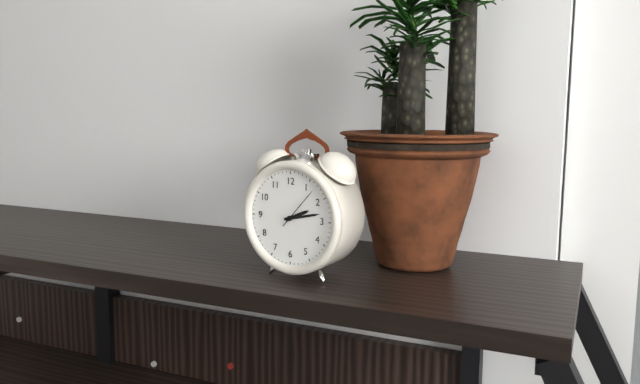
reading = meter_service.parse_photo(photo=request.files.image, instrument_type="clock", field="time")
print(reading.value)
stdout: 2:13
